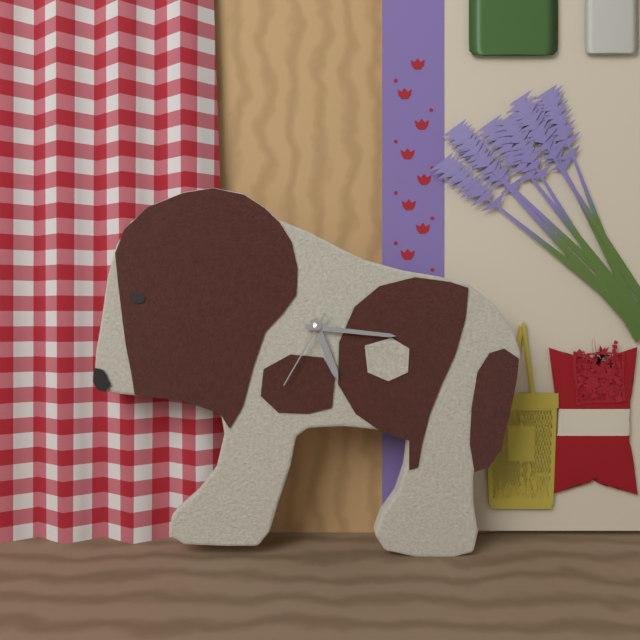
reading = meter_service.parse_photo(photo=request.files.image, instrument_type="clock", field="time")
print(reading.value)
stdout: 5:16:35
